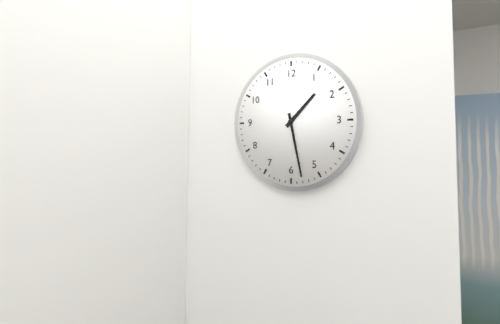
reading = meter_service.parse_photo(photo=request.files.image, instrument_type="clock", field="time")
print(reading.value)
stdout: 1:28
